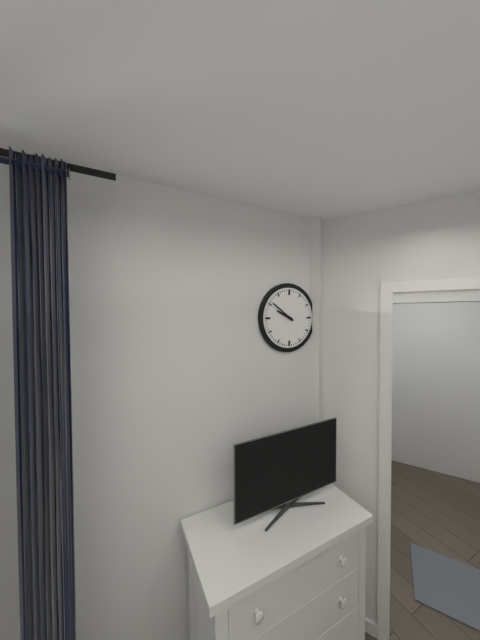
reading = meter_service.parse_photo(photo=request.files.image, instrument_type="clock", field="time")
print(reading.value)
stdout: 9:51
